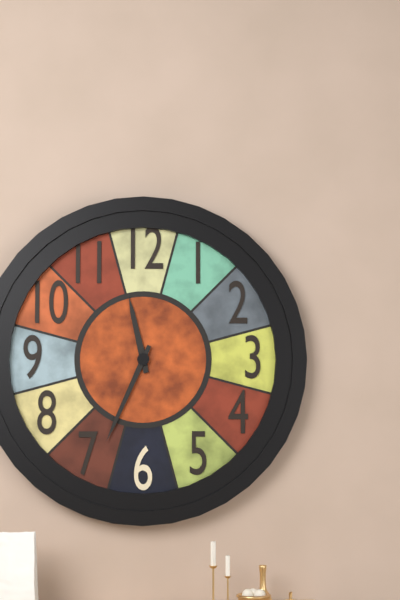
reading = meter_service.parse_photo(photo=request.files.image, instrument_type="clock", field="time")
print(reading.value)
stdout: 11:34
